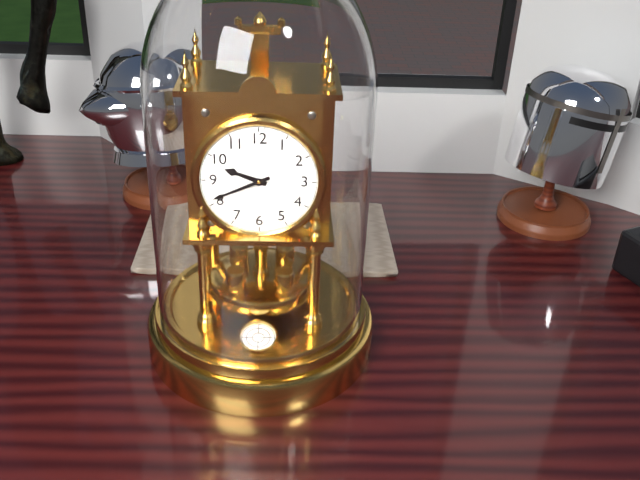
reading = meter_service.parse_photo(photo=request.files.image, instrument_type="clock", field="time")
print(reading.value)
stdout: 9:41
